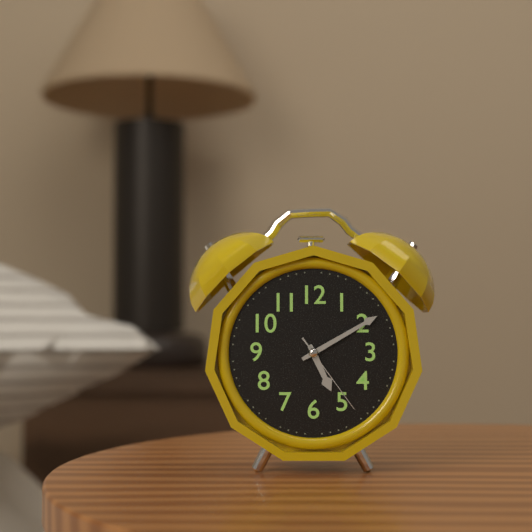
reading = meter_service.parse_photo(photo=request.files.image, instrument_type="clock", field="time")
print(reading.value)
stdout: 5:10:24
